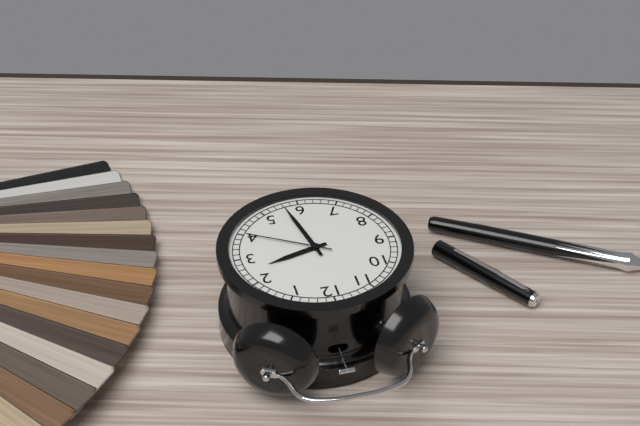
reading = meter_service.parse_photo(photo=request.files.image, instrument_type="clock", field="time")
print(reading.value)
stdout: 2:28:20
